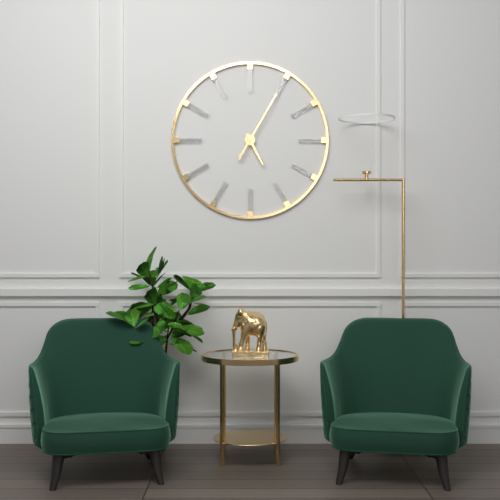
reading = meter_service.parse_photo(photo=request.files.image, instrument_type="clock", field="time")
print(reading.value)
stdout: 5:05
